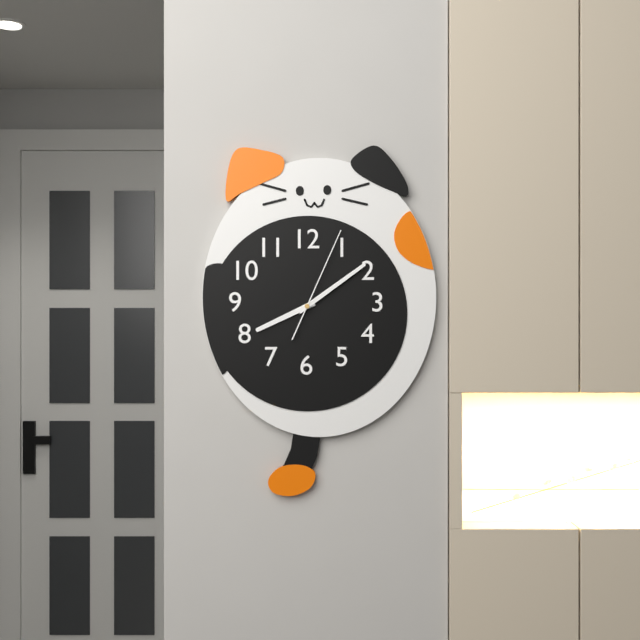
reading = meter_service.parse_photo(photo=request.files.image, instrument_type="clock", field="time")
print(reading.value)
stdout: 8:09:04
